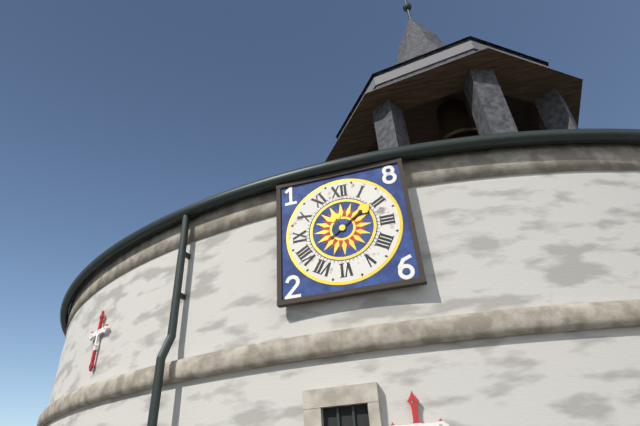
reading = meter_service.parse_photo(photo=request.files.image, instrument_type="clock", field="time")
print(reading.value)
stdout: 11:09
